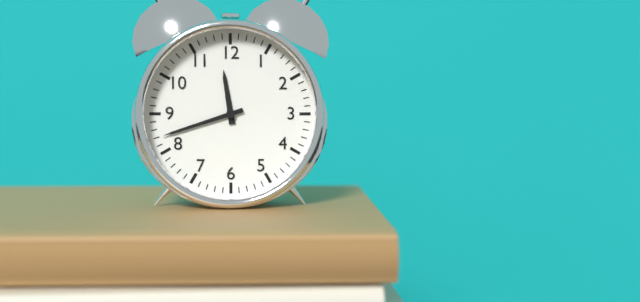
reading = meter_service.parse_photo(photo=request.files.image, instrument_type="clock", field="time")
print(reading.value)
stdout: 11:42
